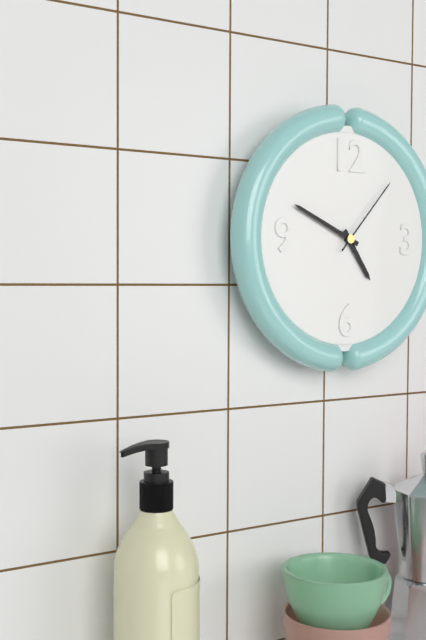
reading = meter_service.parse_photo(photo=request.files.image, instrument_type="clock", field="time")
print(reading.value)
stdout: 4:49:07
